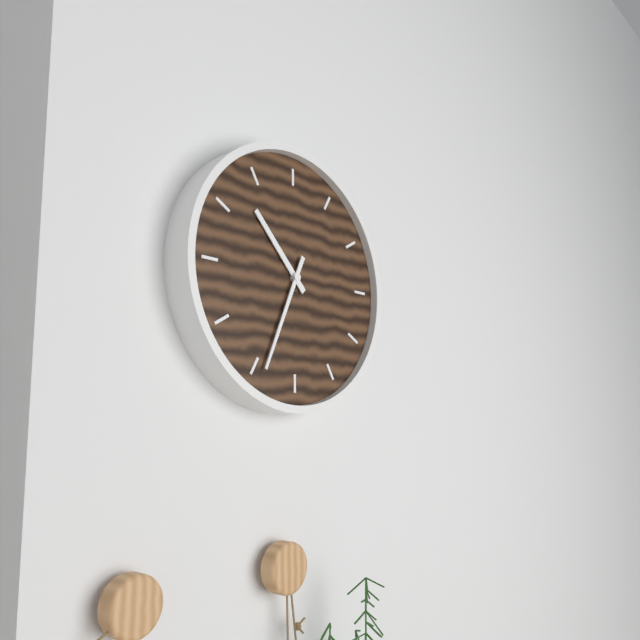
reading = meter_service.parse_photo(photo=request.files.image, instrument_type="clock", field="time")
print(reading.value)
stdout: 10:34
